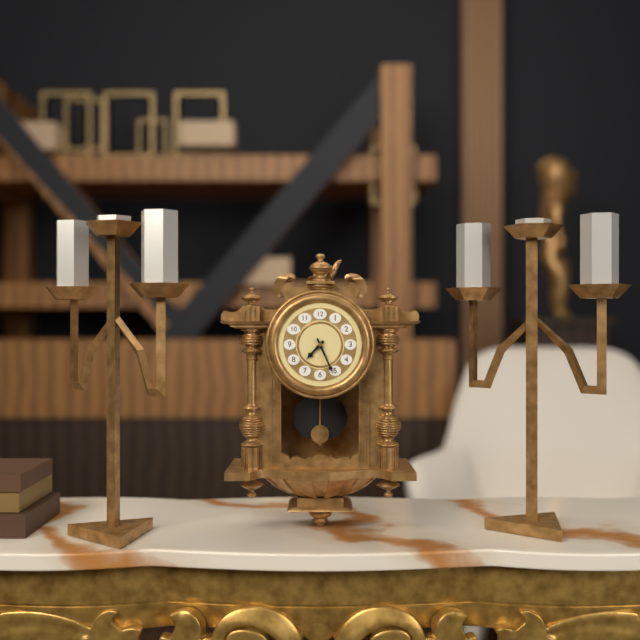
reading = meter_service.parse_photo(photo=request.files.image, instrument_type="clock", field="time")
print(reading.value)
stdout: 7:26
